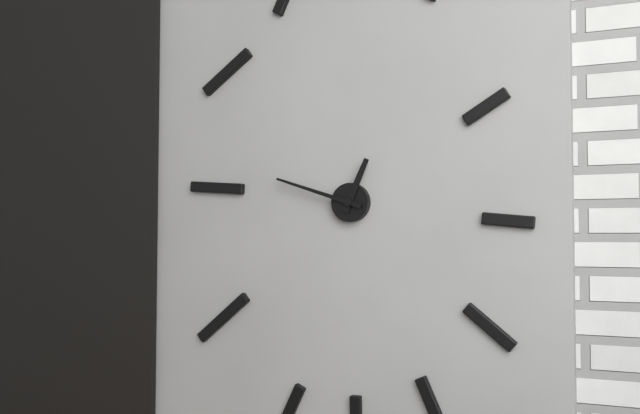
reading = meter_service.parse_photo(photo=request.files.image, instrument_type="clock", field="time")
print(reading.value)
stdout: 12:48
